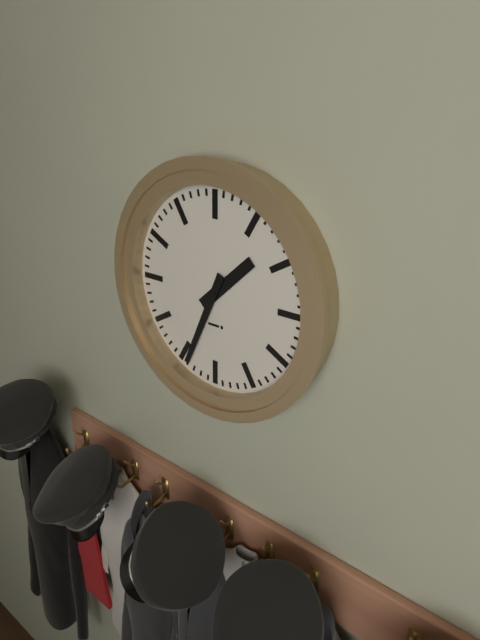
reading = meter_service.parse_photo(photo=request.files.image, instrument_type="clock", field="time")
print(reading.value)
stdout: 1:34
